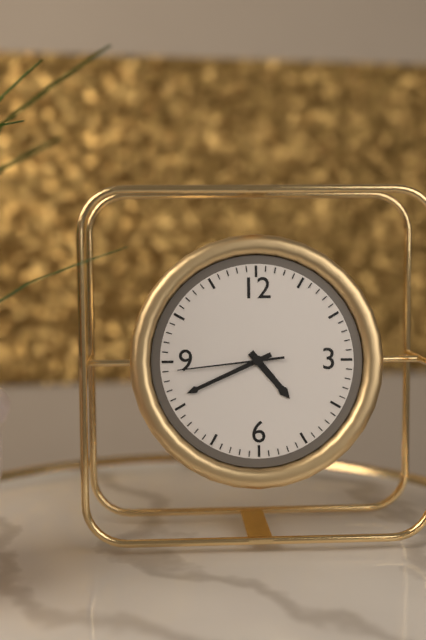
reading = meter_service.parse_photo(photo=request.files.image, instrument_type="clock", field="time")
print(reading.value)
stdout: 4:41:44
